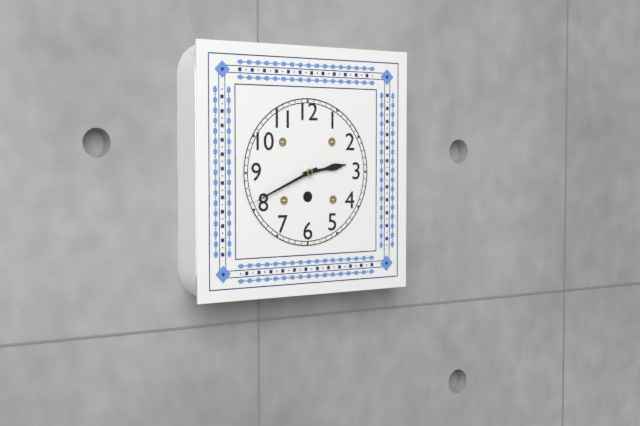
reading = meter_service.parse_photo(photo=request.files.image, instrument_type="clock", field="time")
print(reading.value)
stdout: 2:41
